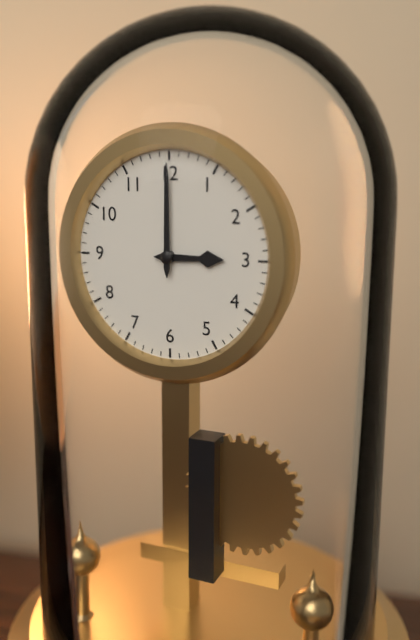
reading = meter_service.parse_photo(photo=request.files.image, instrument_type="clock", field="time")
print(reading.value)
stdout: 3:00
